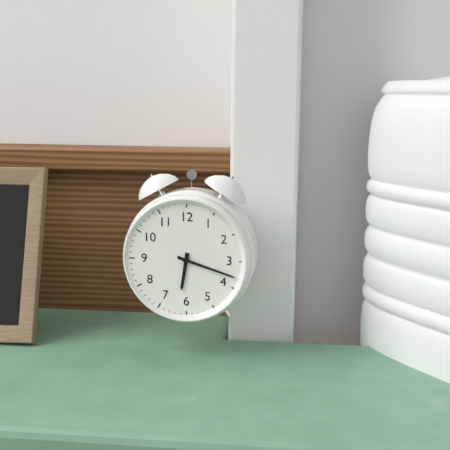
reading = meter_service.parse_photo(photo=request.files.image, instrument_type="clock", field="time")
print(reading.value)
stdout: 6:18
